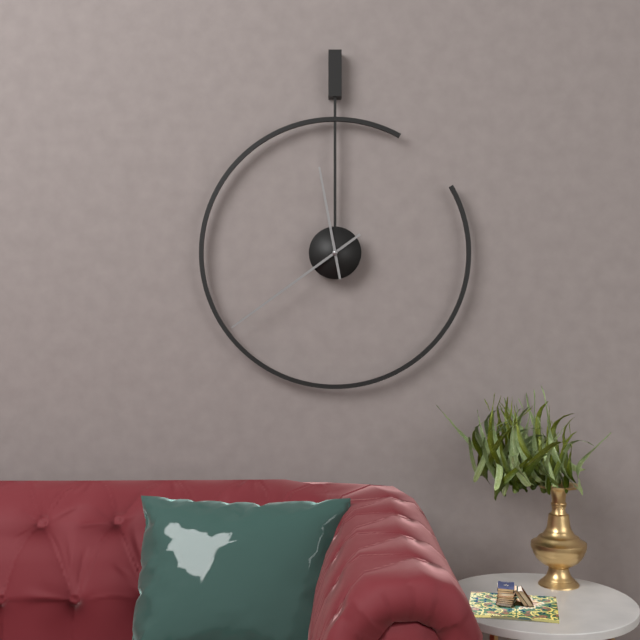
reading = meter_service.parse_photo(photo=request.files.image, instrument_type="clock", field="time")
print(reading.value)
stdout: 11:39
